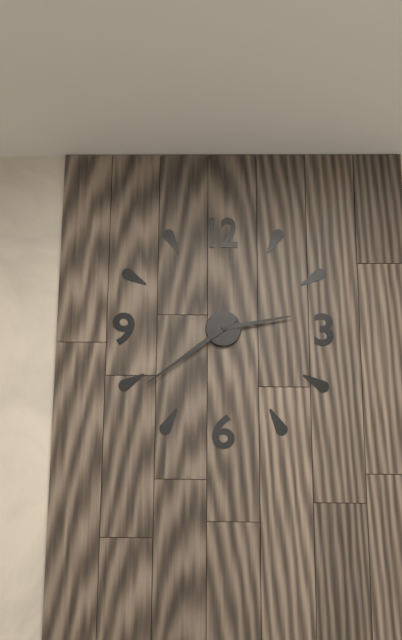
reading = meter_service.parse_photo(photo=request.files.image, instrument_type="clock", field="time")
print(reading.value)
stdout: 2:39
